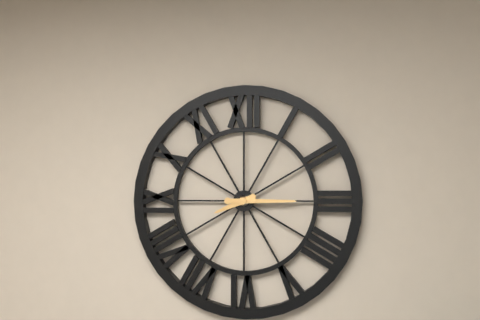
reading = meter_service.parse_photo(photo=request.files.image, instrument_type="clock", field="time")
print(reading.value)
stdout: 8:15
